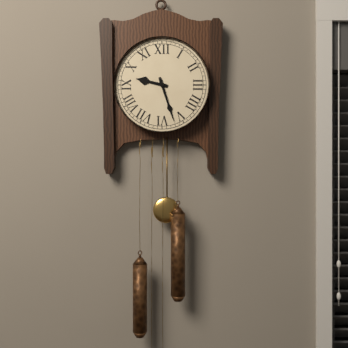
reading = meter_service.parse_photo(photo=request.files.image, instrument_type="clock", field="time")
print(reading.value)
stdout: 9:27
